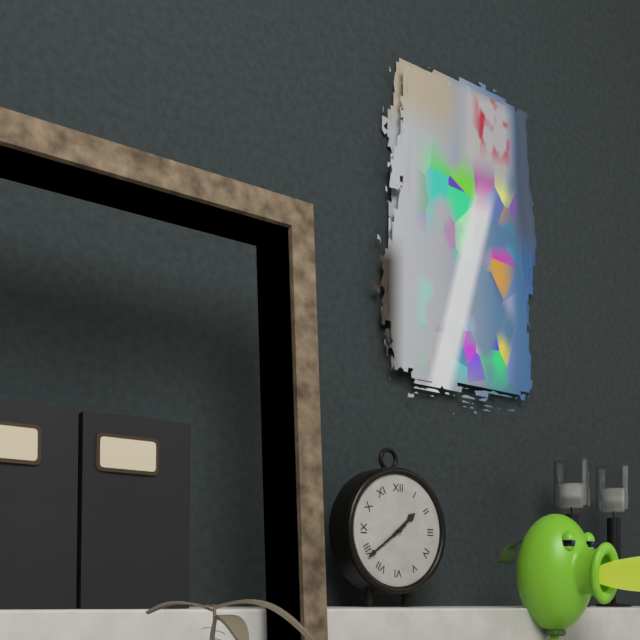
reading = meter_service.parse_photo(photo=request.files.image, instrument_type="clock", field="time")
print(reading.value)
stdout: 1:39
